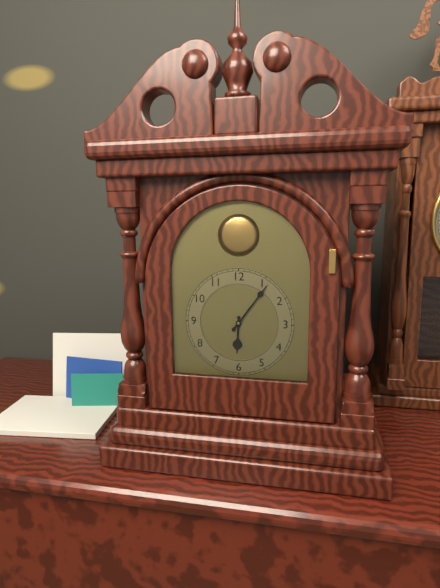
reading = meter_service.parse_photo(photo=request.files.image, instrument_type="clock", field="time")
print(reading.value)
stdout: 6:06
